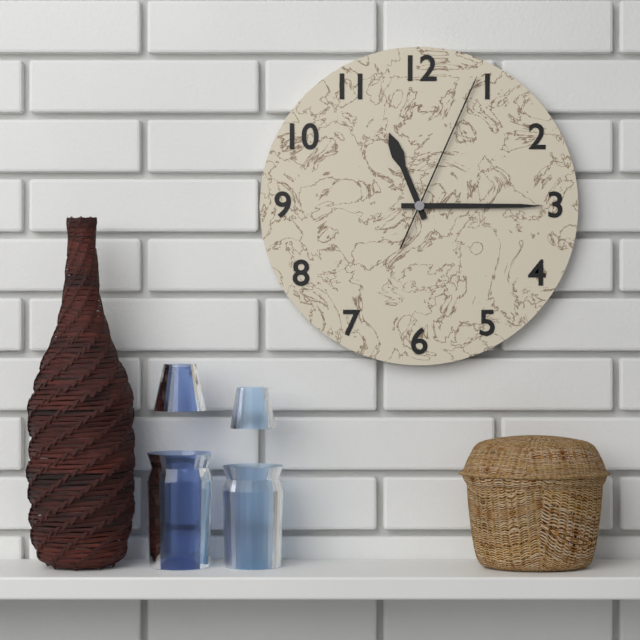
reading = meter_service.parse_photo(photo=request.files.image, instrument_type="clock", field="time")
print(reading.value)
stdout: 11:15:04
